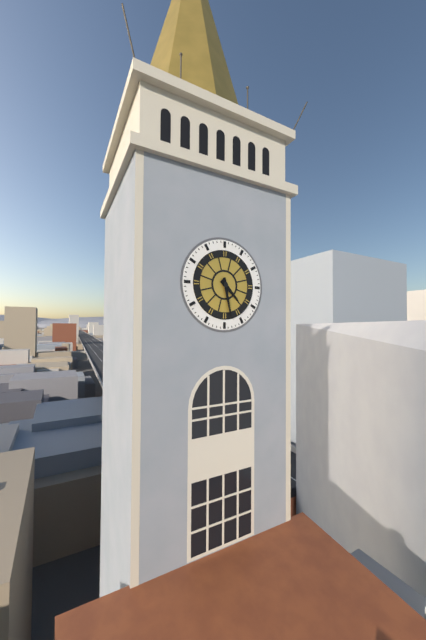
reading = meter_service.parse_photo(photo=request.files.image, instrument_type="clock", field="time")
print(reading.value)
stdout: 4:28
